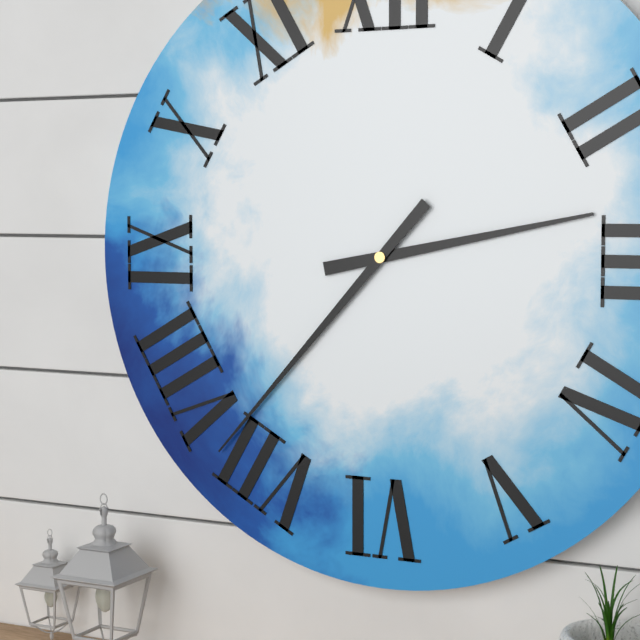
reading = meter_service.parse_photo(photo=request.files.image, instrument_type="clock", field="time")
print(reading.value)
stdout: 2:37
